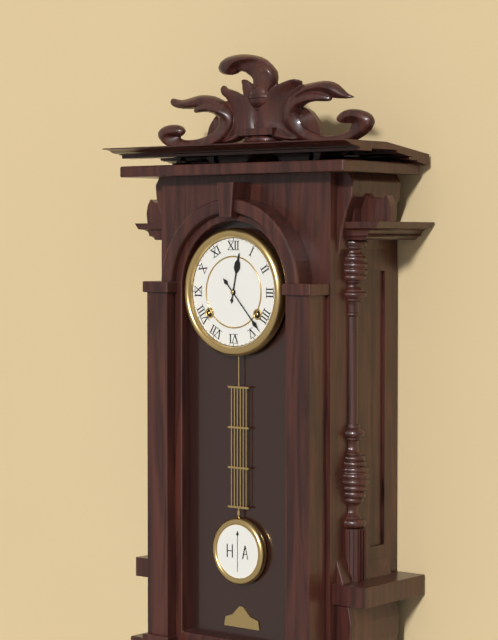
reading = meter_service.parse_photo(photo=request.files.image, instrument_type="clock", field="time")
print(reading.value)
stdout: 12:23
